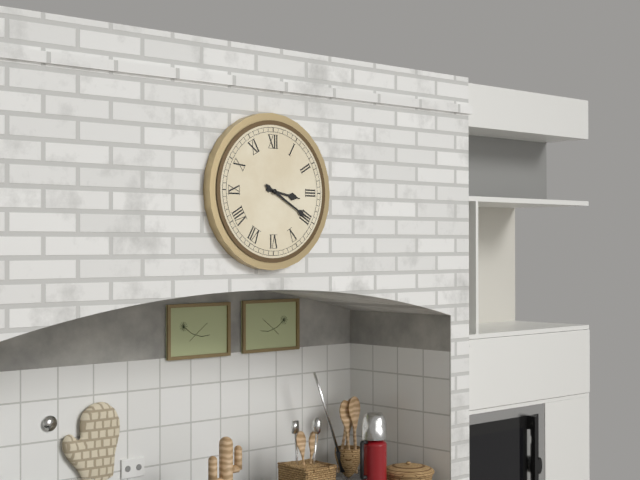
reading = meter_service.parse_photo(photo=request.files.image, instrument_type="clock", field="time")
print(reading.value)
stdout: 3:20
